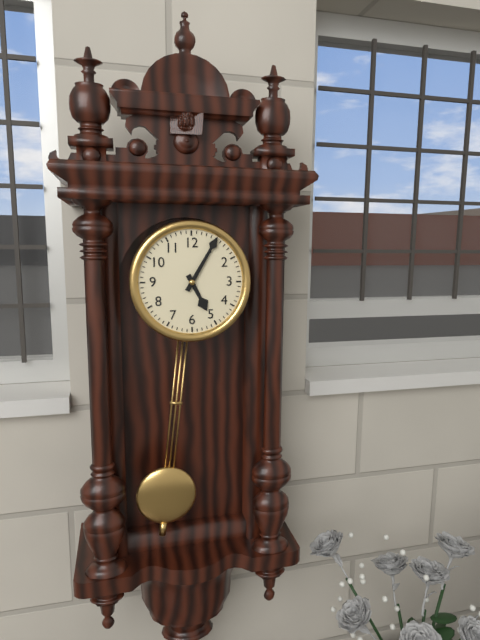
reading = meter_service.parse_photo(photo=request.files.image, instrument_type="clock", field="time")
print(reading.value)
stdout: 5:05
